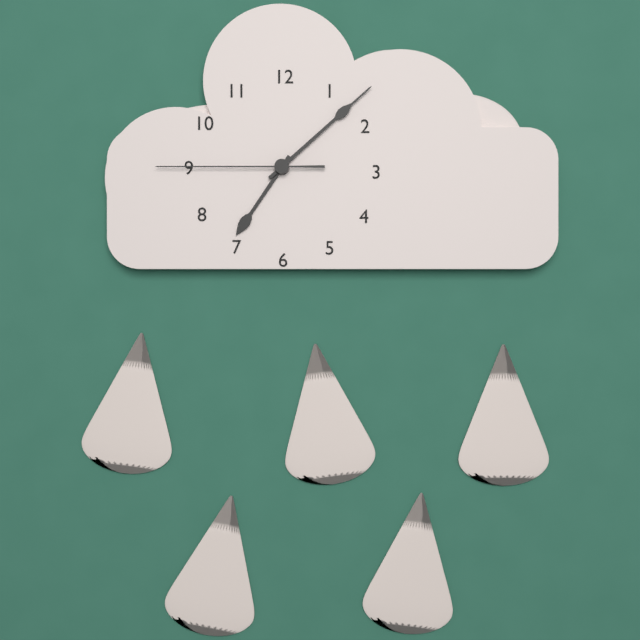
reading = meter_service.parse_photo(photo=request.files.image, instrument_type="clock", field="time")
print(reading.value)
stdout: 7:08:45
